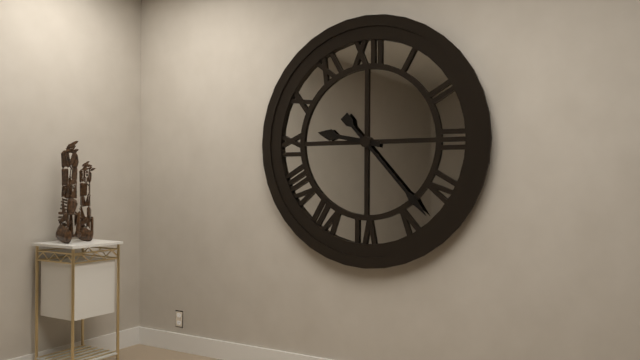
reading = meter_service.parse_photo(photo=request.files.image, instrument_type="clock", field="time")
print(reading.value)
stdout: 9:23
